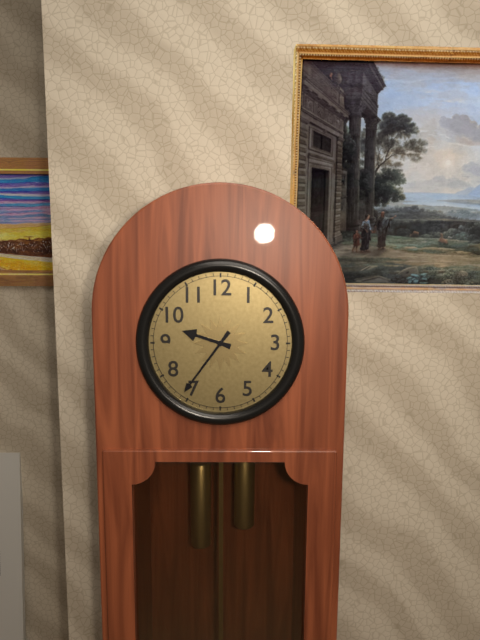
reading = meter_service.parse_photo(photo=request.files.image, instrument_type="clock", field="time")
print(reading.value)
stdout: 9:36
